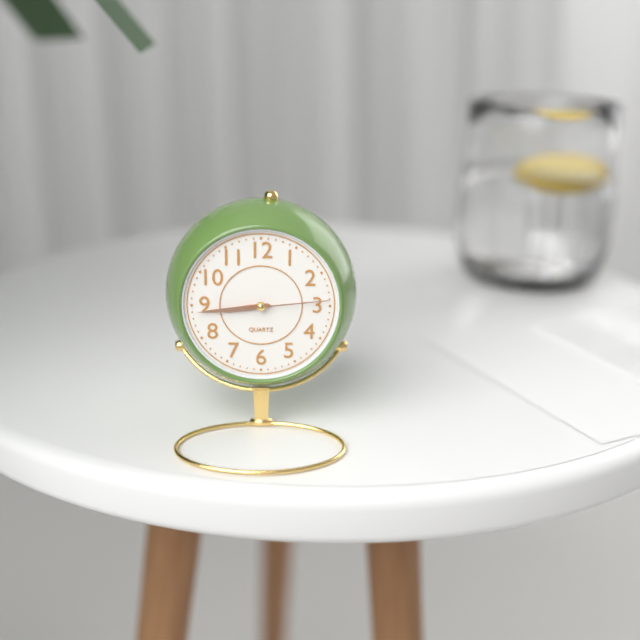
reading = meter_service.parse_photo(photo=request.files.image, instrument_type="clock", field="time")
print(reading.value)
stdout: 8:44:14
